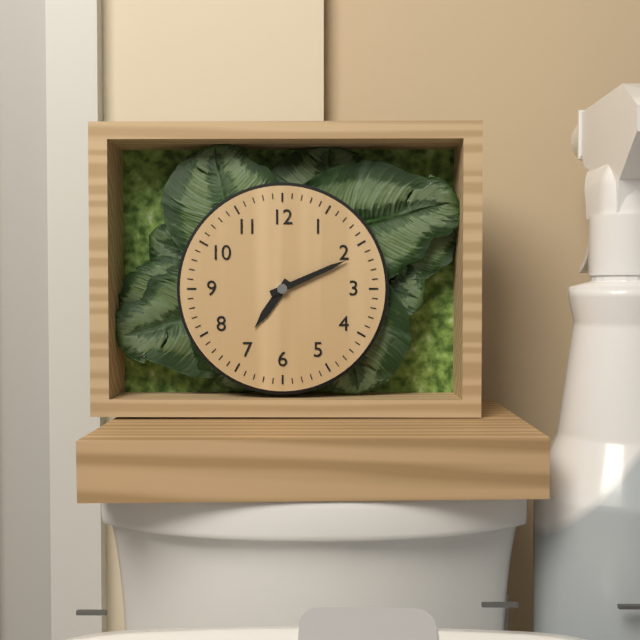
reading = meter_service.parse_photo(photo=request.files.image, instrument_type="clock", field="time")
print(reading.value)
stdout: 7:11
